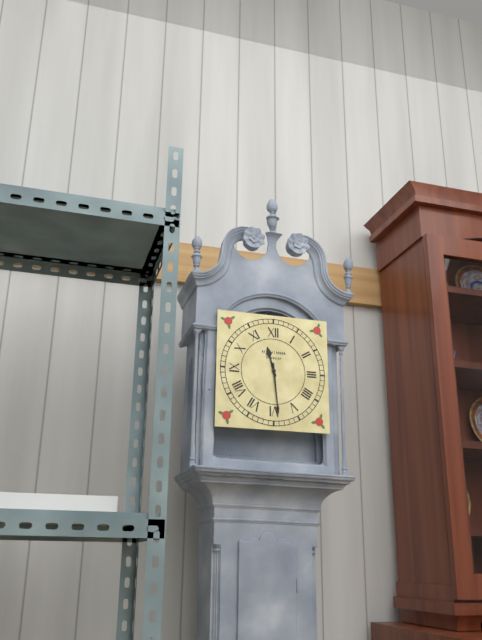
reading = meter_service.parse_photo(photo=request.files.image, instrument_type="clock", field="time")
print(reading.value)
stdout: 11:29
